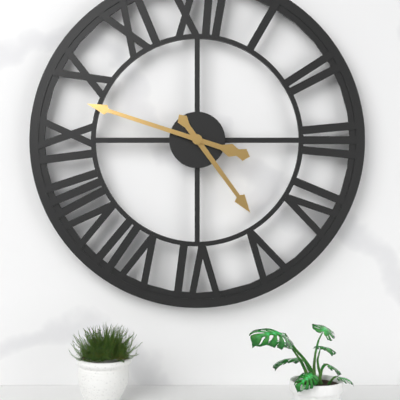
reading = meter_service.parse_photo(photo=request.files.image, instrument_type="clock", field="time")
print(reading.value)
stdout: 4:48
